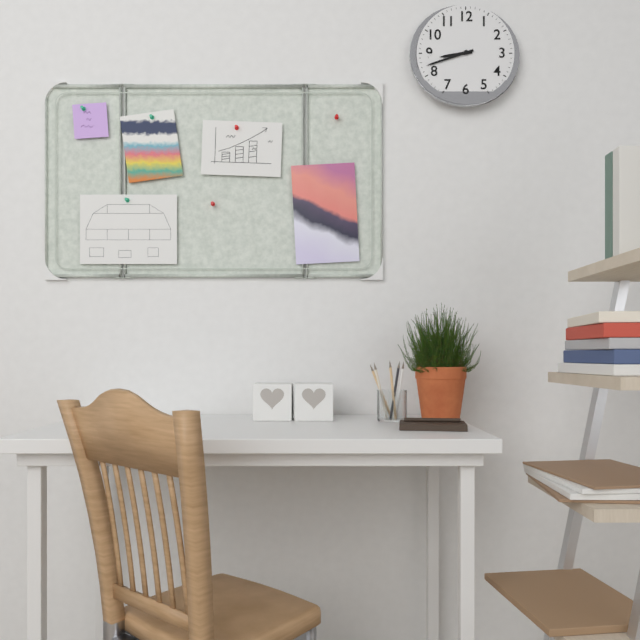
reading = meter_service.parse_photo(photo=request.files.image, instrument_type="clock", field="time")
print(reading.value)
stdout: 8:42
